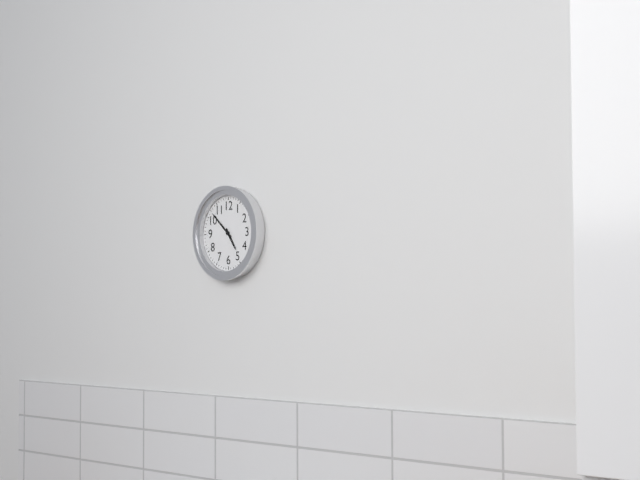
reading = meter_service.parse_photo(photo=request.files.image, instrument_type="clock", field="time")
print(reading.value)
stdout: 4:52
